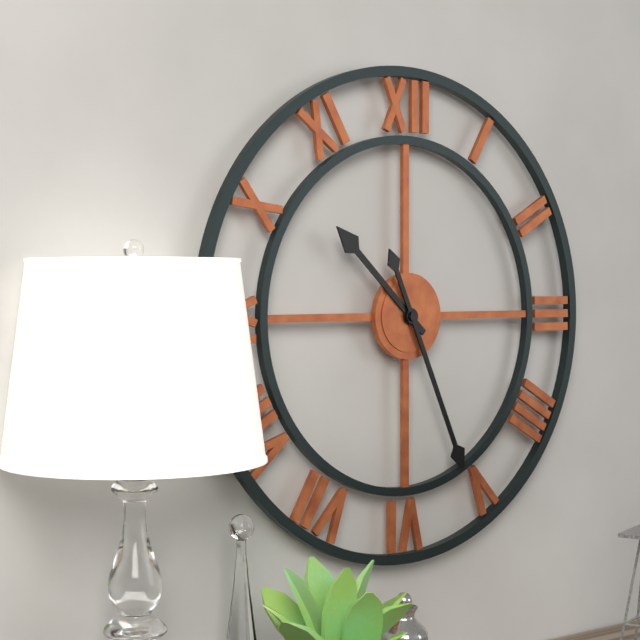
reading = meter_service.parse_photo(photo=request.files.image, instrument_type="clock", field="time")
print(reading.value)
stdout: 10:26
